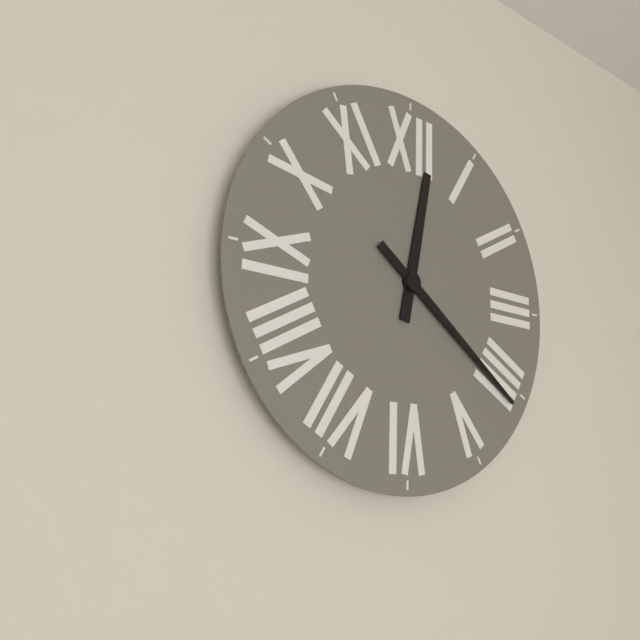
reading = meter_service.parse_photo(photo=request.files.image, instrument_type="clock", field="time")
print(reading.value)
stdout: 12:21
